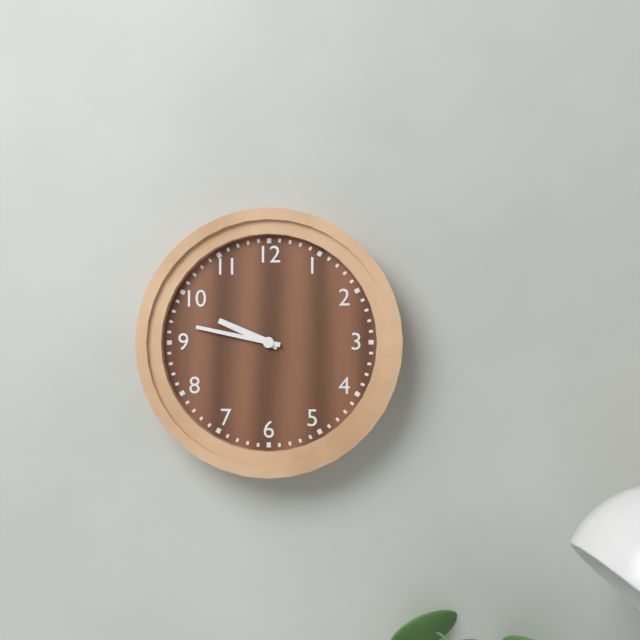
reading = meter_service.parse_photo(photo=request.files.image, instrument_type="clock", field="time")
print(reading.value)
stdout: 9:47
